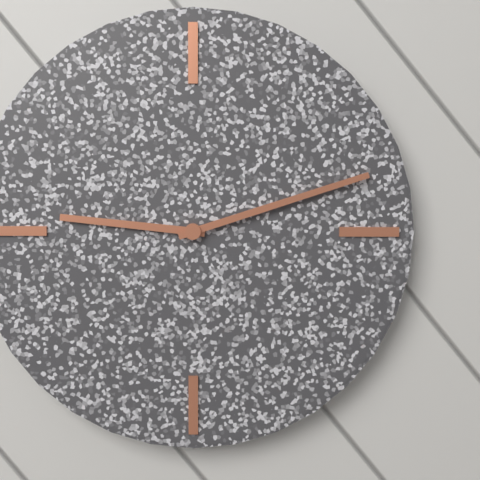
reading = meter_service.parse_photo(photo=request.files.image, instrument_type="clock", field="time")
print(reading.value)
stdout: 9:12
